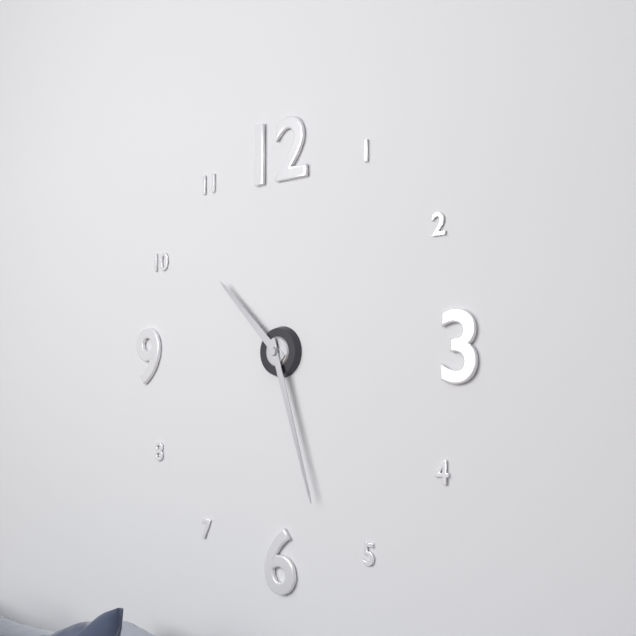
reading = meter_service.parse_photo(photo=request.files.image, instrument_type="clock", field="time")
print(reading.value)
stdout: 10:27
